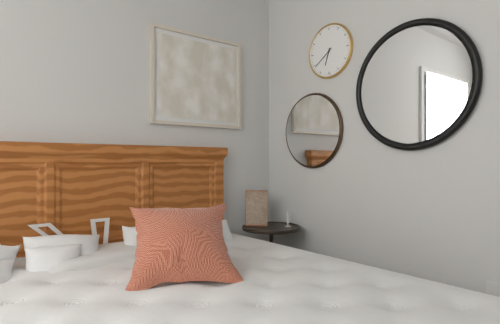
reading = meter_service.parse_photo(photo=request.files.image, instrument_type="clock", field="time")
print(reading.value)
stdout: 6:39
